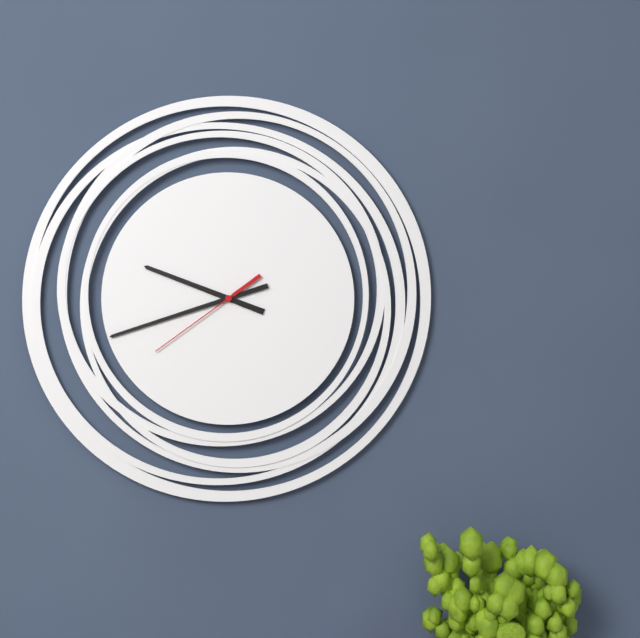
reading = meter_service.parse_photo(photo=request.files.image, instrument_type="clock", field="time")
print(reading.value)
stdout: 9:42:39
